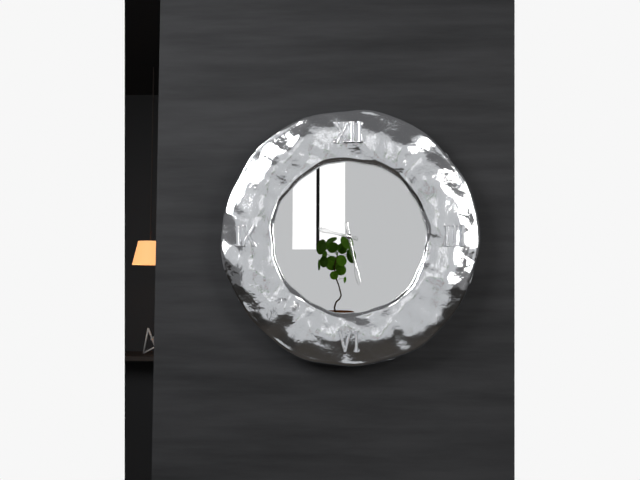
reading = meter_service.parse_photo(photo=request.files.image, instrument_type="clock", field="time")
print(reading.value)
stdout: 9:28
